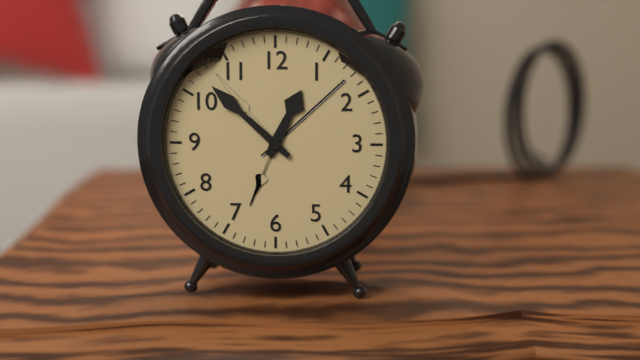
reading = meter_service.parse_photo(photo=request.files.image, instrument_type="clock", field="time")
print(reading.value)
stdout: 12:52
